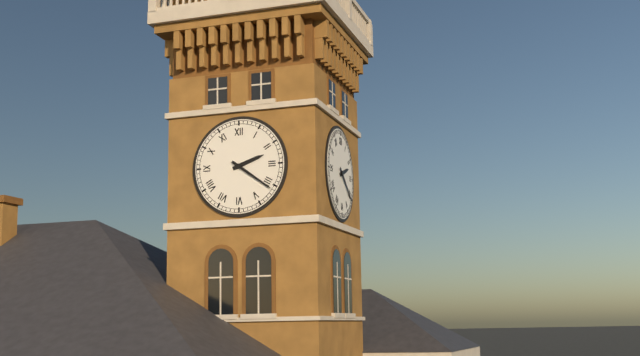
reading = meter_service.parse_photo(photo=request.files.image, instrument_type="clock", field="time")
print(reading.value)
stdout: 2:21
